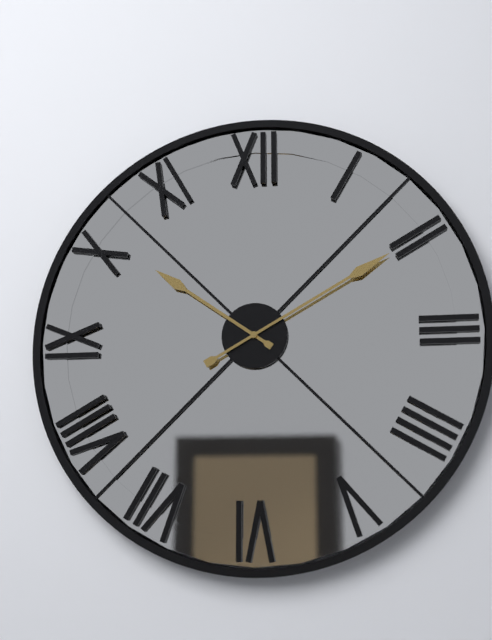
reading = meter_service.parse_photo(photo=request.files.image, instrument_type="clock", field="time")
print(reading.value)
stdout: 10:10
